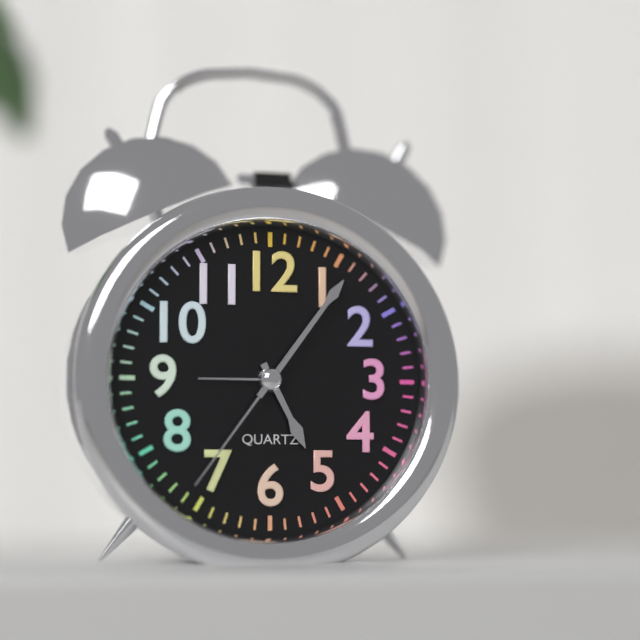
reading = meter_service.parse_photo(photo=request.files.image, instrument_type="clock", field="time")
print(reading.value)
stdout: 5:06:36
